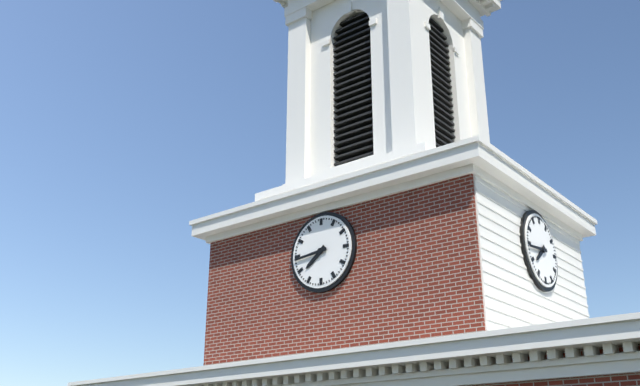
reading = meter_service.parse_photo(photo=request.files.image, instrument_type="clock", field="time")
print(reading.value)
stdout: 7:44
